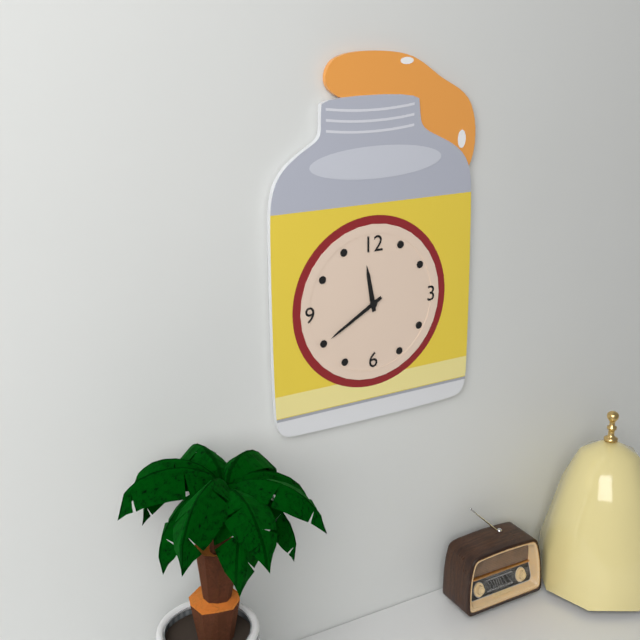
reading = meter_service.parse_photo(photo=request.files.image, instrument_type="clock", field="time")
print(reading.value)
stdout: 11:40
